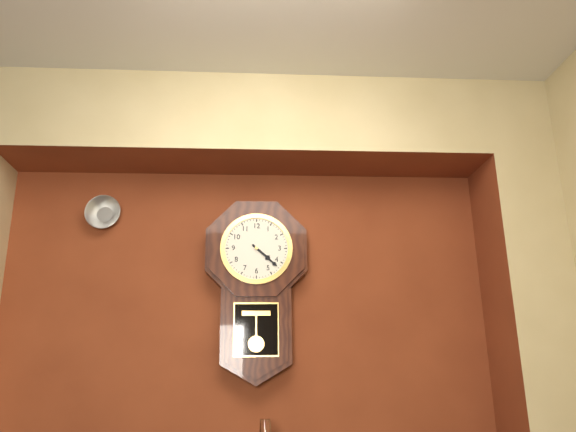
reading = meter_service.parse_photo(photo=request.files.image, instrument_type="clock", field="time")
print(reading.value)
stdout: 4:22
